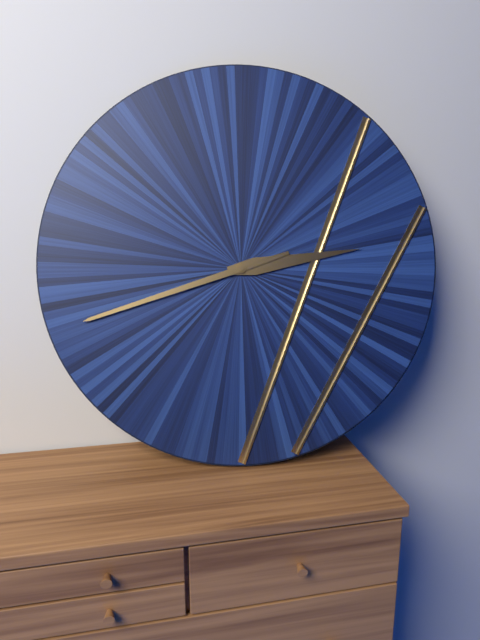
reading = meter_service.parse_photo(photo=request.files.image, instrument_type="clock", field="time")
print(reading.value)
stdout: 2:42
